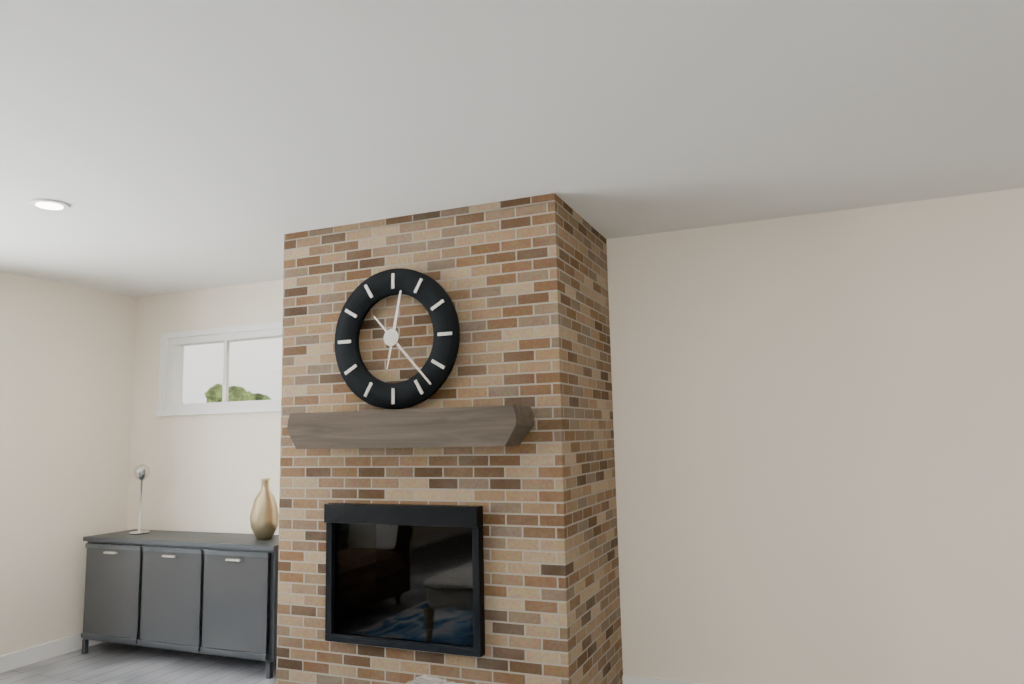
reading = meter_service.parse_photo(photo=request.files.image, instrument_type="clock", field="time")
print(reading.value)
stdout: 12:23
